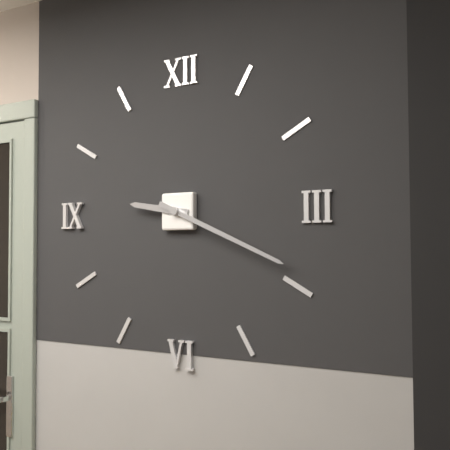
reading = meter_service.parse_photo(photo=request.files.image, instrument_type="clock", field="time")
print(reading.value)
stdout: 9:19
